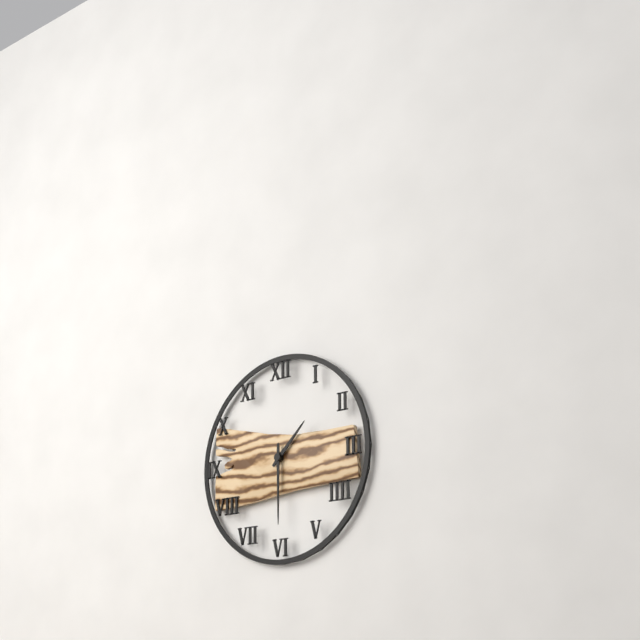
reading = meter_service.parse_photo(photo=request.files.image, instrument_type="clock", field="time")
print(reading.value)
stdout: 1:30
